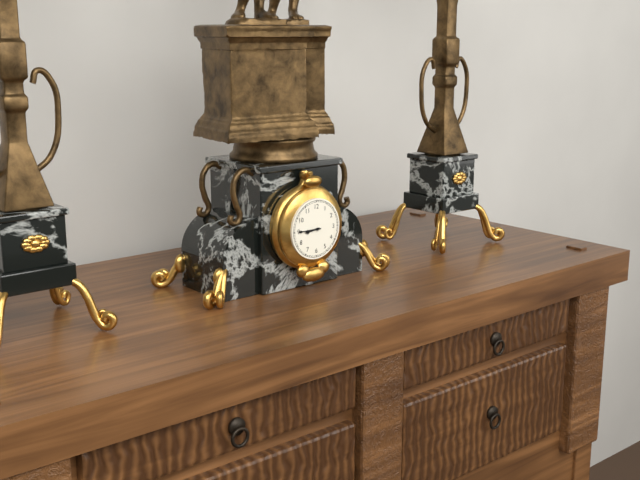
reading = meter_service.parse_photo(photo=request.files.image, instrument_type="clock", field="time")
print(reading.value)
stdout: 8:45
